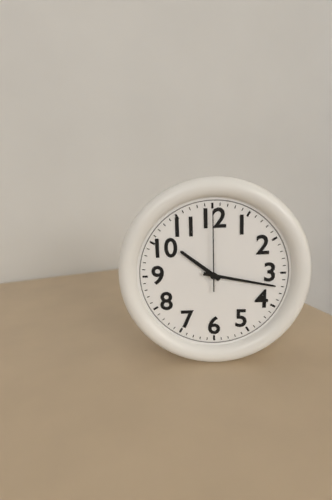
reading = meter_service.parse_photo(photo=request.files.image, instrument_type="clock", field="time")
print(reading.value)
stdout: 10:17:00
